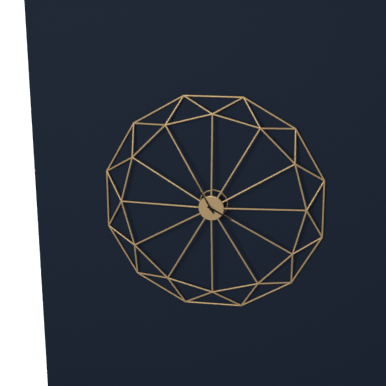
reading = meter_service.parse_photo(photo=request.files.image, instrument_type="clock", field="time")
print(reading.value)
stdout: 3:55
